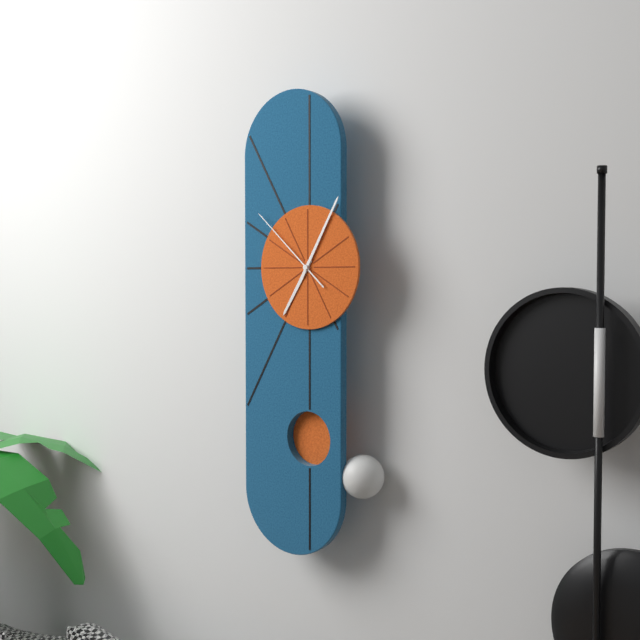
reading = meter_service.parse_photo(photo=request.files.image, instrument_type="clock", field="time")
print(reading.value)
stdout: 7:05:52
